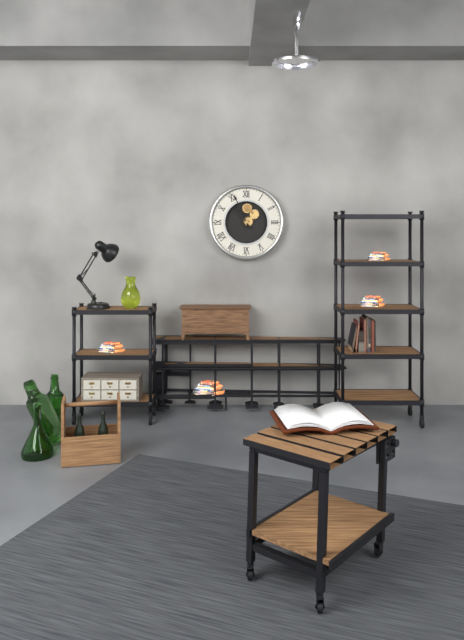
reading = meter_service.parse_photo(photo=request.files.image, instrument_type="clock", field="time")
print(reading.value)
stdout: 10:56
